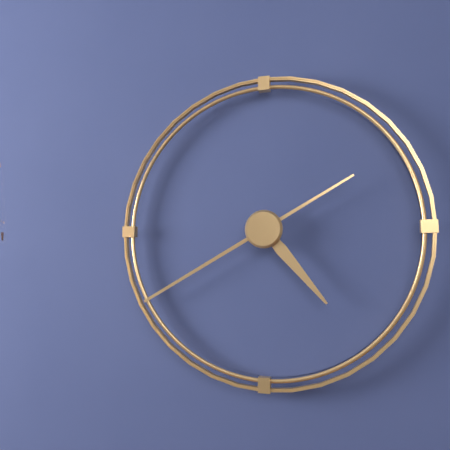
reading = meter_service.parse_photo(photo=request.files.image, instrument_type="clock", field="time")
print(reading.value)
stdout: 4:40
